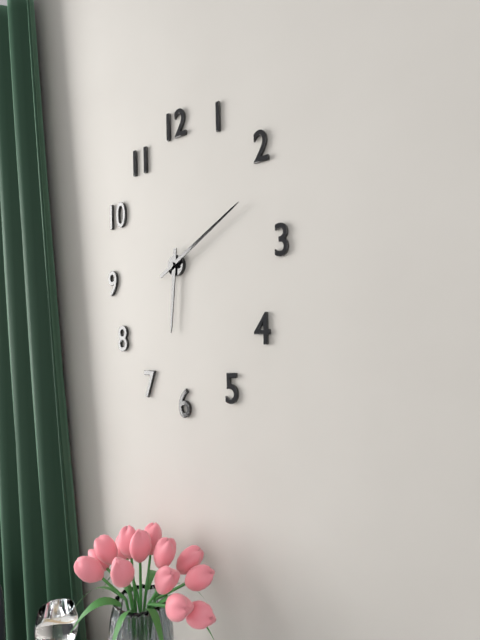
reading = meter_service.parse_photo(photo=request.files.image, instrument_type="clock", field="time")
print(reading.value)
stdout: 6:10
